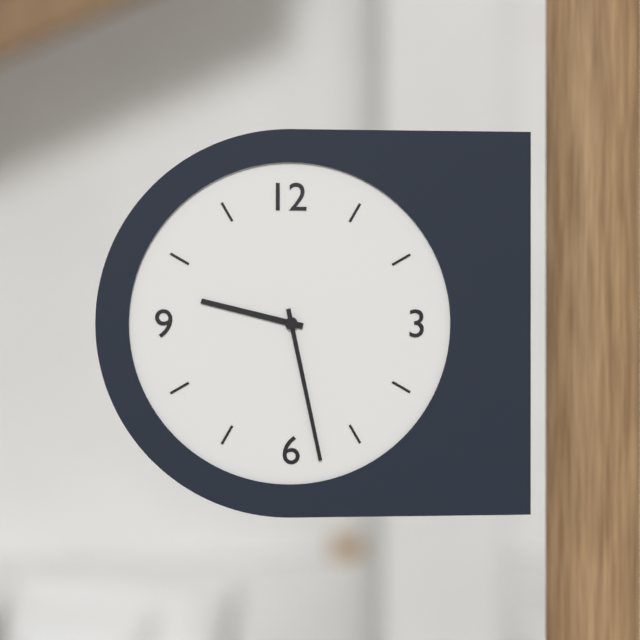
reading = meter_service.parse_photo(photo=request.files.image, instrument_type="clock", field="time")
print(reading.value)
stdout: 9:28
